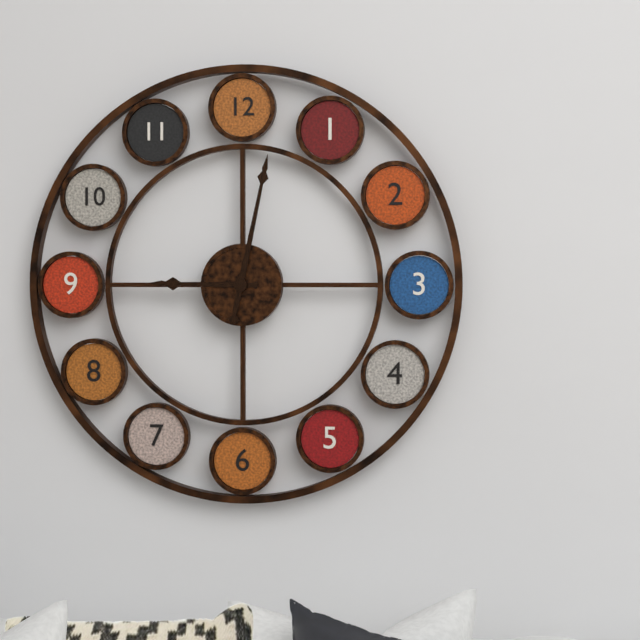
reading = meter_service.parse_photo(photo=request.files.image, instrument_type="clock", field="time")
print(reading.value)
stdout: 9:02
